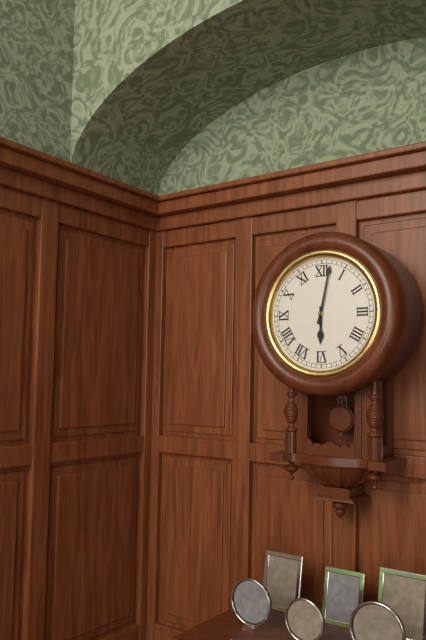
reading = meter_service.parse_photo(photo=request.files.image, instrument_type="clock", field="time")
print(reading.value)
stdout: 6:02
